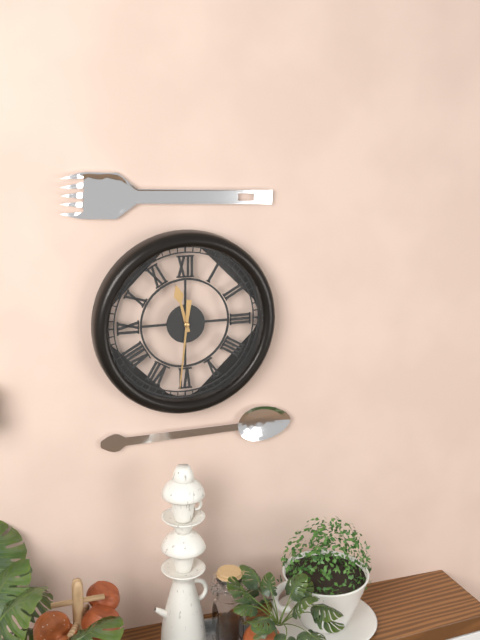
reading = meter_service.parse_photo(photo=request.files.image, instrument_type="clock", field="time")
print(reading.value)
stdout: 11:31
